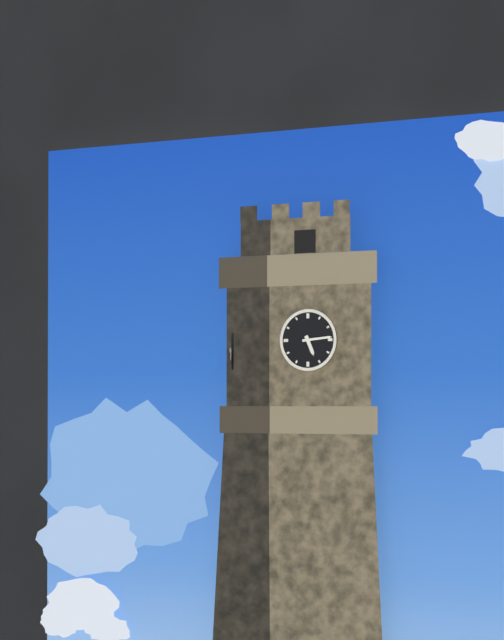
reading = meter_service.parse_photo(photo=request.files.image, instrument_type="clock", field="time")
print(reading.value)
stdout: 5:14
